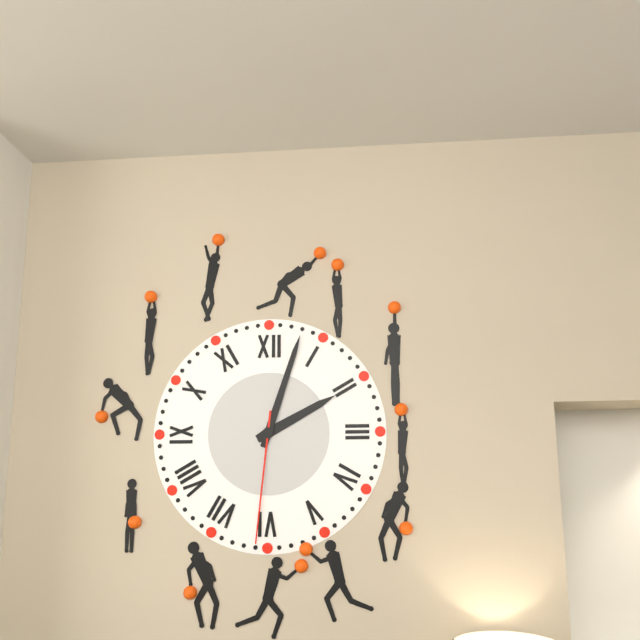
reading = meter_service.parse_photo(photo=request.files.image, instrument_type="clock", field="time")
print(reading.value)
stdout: 2:03:31
